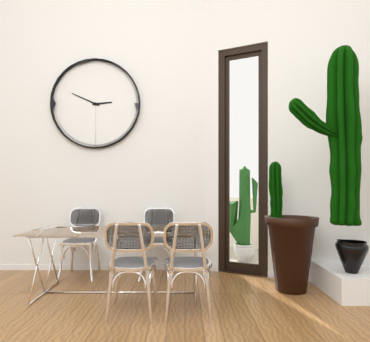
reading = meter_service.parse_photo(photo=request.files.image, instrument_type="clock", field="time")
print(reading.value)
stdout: 2:49
